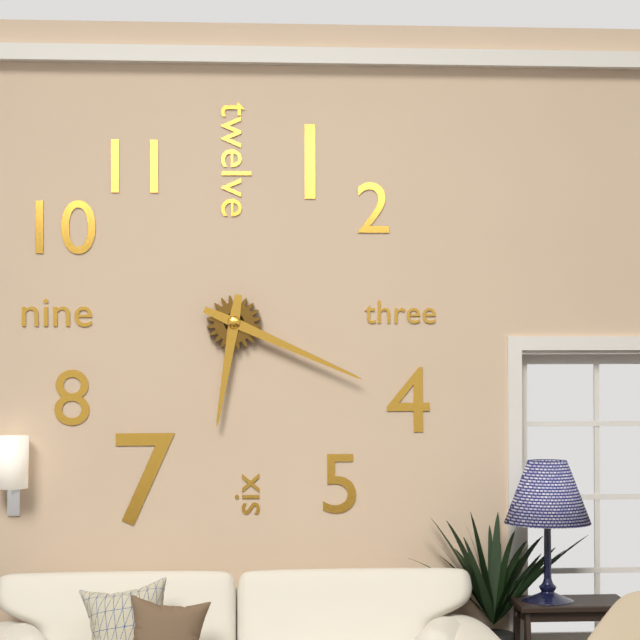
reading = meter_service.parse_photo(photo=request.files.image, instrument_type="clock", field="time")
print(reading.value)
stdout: 6:19
